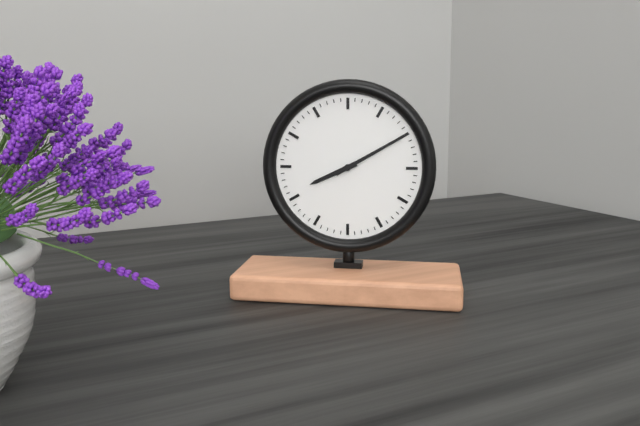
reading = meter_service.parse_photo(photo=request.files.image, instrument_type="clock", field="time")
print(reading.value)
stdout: 8:10
